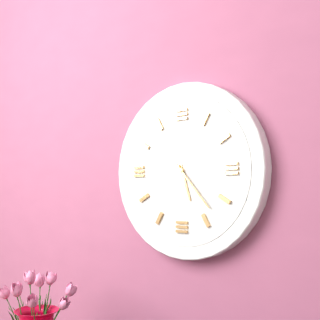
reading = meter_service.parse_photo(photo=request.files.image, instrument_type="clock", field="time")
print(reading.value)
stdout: 5:23
